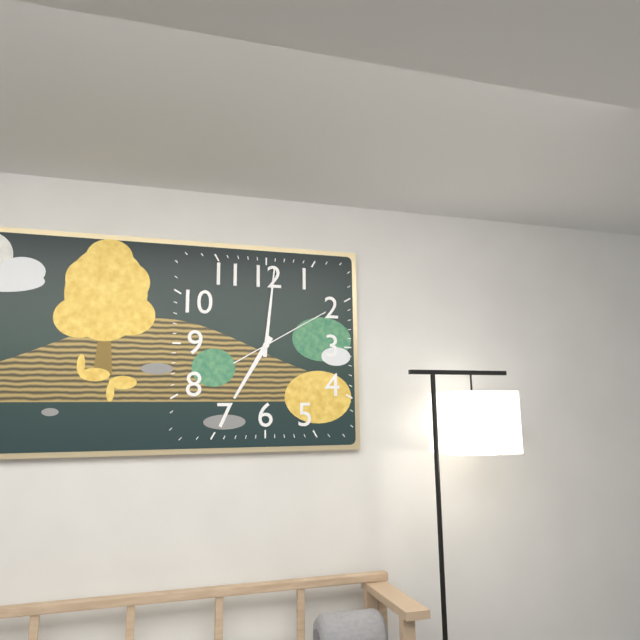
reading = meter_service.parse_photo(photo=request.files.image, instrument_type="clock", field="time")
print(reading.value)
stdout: 7:01:10
